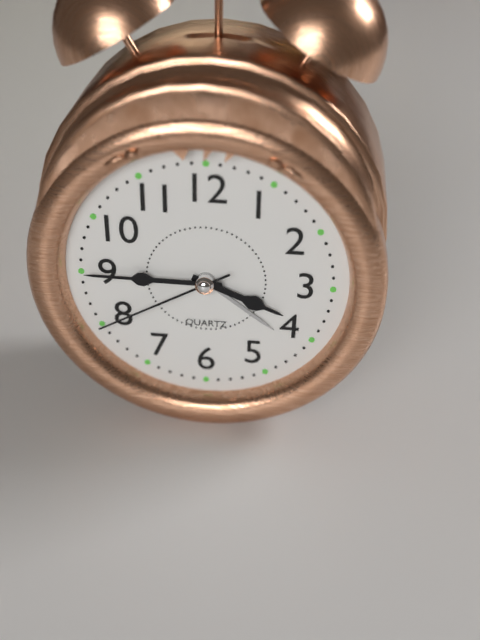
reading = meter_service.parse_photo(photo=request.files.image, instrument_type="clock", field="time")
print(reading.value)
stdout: 3:45:40
